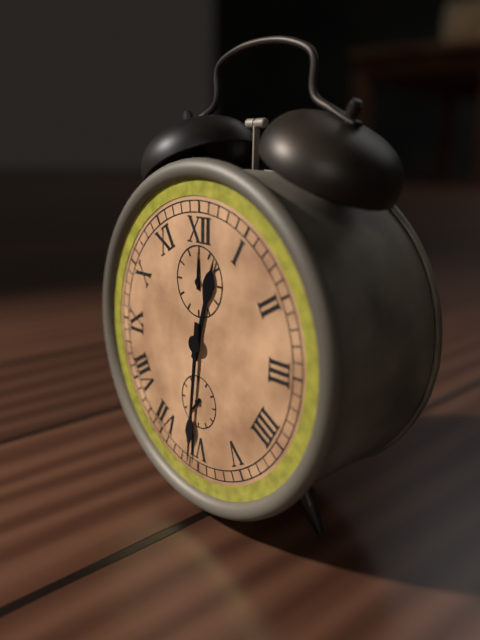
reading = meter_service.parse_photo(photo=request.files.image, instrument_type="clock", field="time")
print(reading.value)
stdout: 12:31
